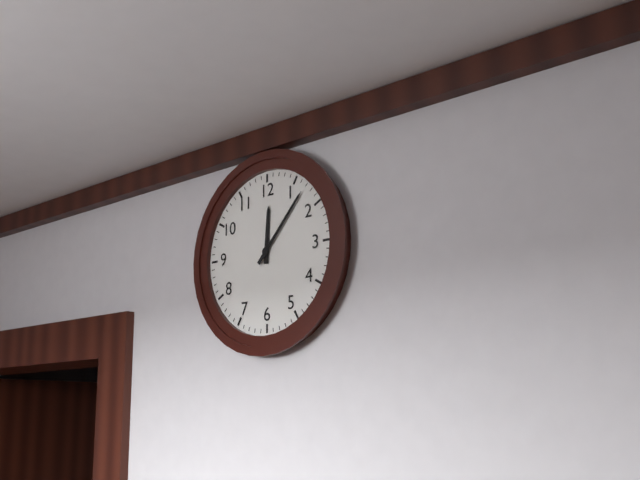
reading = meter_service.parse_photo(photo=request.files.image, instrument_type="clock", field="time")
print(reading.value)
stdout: 12:07
